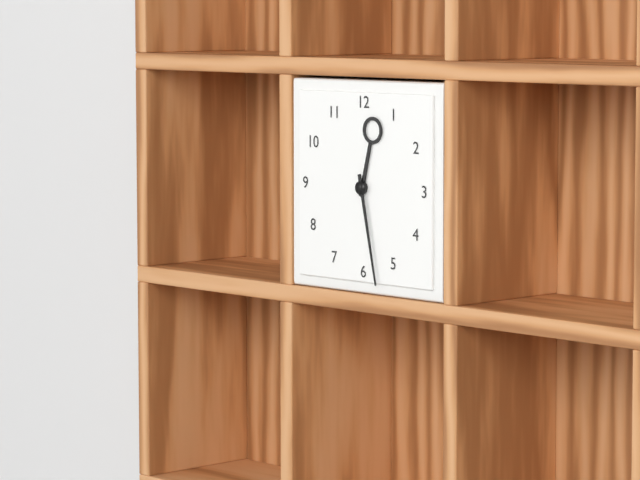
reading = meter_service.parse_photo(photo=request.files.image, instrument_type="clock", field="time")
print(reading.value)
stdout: 12:28
